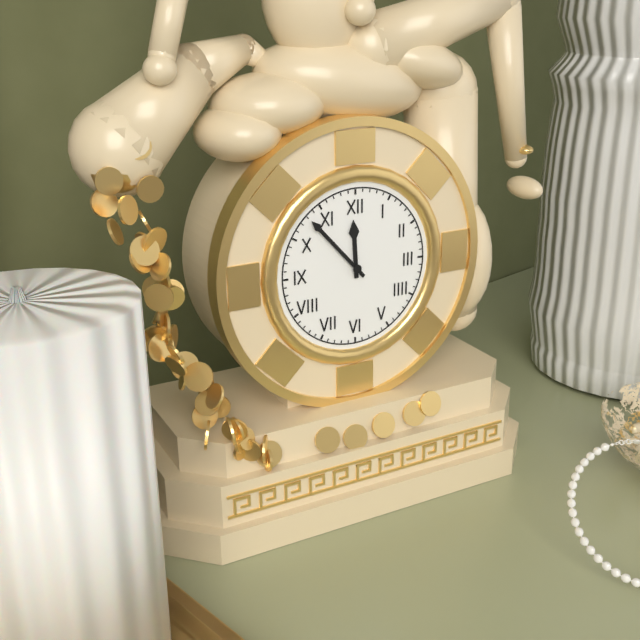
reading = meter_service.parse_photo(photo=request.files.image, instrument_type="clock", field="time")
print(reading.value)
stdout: 11:53
